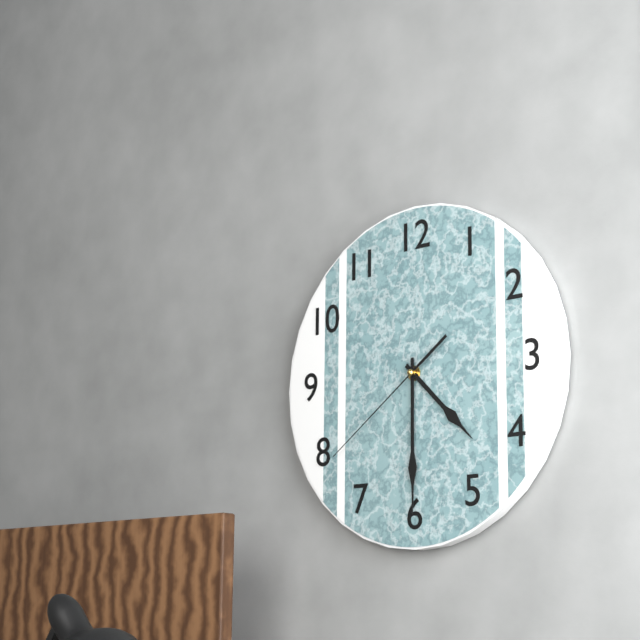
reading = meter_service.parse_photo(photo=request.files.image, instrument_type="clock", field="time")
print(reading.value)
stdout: 4:30:39
